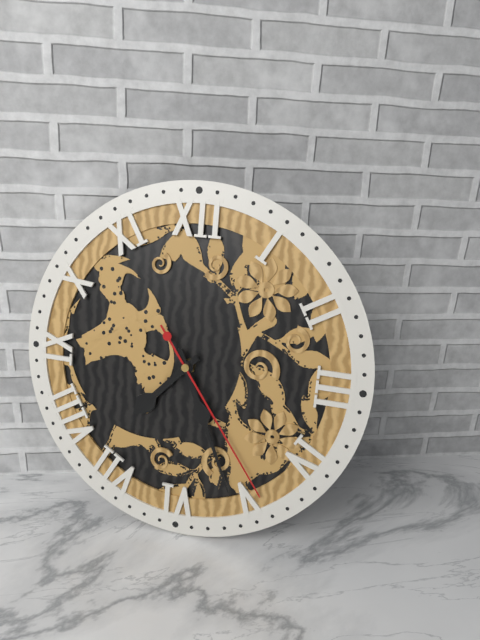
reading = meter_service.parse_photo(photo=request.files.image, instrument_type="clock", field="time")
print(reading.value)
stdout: 7:26:24
